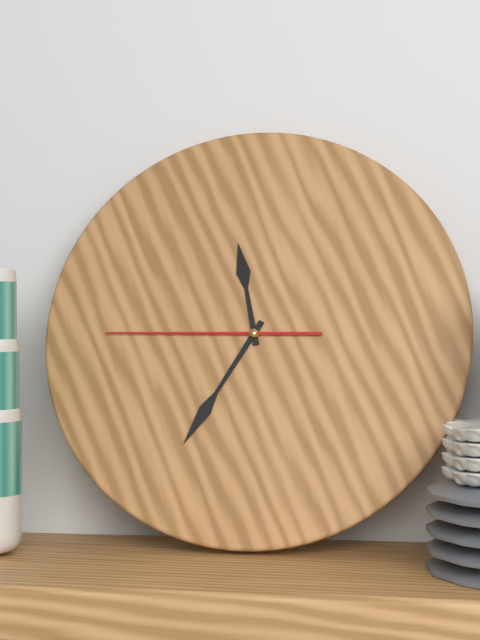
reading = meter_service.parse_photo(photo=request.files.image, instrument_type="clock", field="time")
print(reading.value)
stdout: 11:35:45
